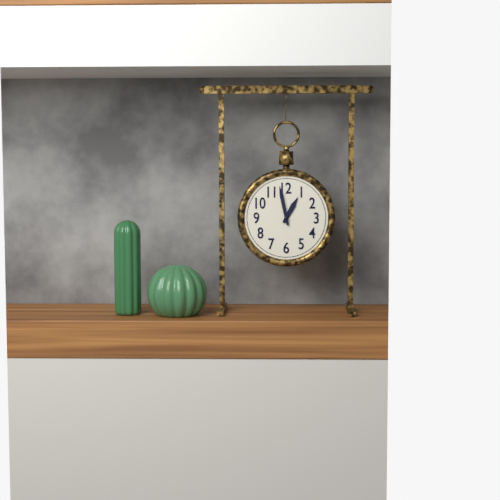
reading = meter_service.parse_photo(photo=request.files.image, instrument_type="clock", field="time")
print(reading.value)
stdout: 12:58
